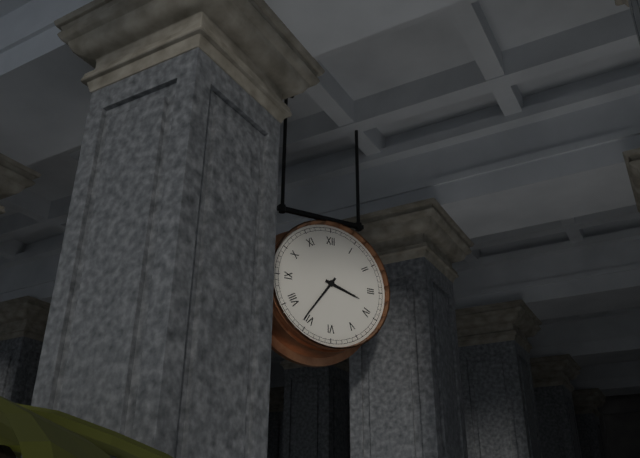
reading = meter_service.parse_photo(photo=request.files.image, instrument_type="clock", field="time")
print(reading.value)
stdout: 3:36
